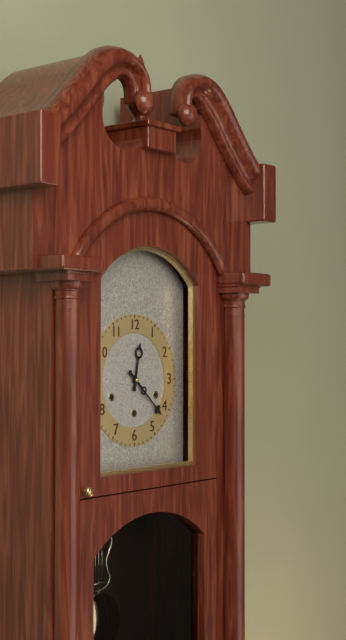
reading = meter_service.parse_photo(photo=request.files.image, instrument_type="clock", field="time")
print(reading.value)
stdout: 12:22
